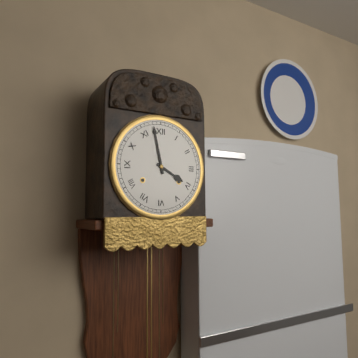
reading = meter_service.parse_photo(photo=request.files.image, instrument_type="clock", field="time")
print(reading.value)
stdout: 3:58
